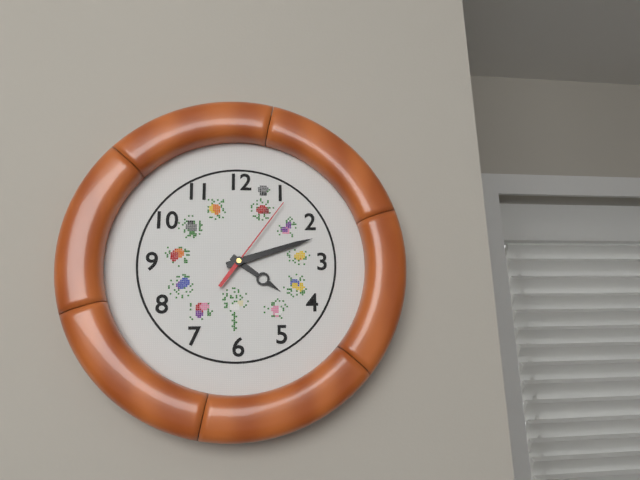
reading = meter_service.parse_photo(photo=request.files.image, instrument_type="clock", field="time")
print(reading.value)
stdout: 4:12:06
